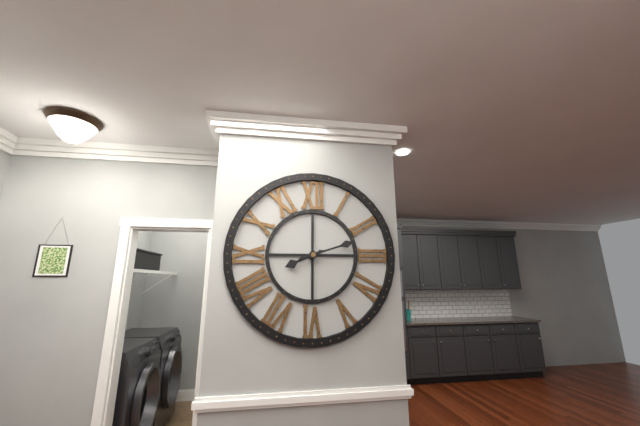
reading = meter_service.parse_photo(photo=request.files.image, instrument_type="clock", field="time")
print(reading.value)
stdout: 8:12
